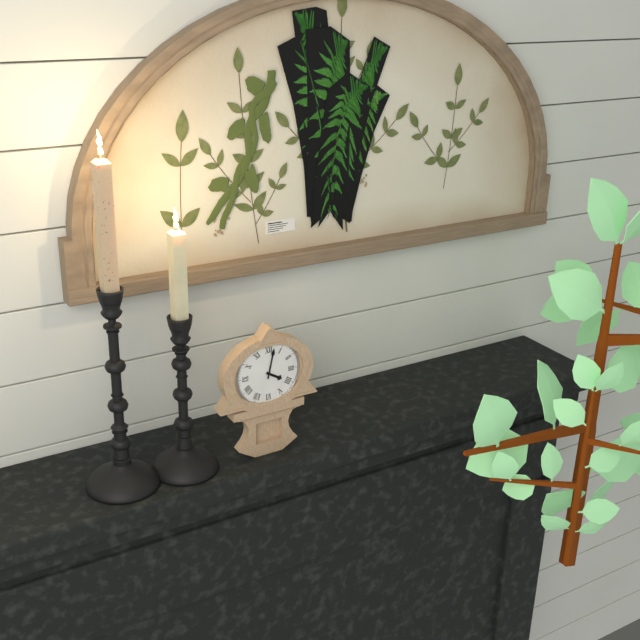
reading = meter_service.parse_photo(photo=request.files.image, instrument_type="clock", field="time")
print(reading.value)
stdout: 4:02
